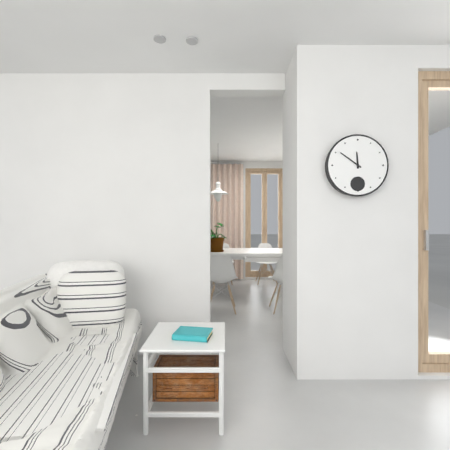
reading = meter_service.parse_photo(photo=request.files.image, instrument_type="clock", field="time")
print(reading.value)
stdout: 11:51
